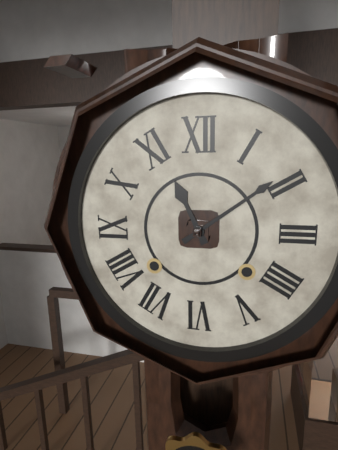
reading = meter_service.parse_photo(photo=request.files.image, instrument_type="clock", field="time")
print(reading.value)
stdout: 11:09
